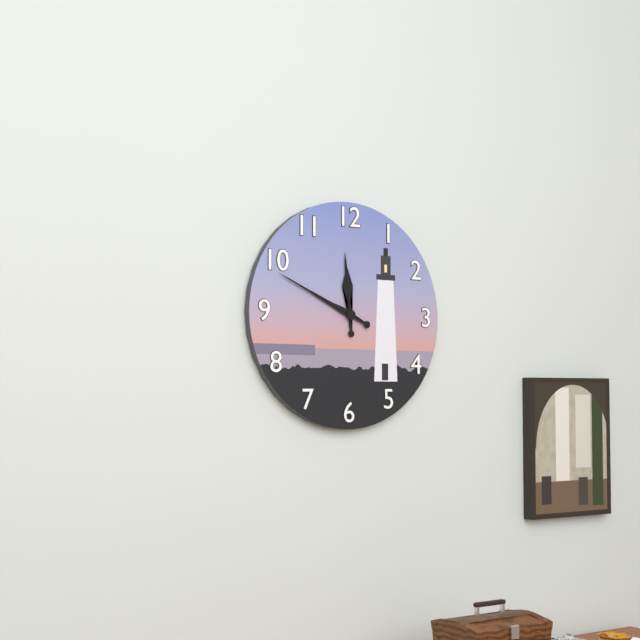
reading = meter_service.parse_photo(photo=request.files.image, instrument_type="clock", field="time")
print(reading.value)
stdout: 11:49
